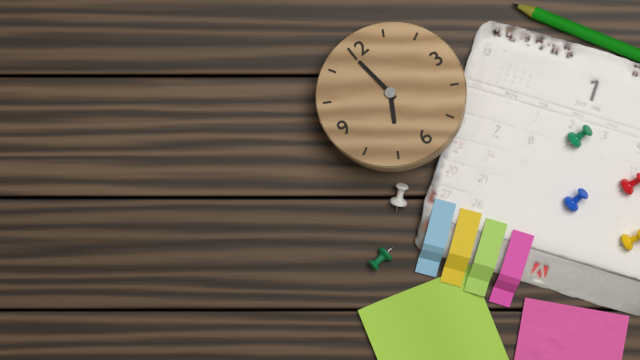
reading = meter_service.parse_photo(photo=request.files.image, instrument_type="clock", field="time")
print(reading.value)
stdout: 6:59
